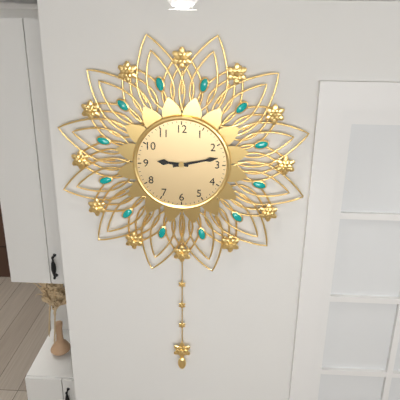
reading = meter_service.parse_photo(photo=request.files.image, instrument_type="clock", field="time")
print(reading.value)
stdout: 9:13
